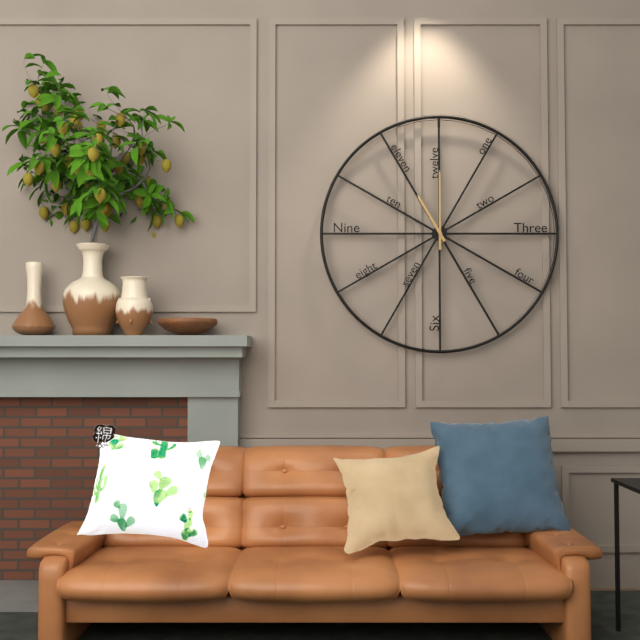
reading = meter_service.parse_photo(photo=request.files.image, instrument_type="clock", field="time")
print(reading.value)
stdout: 11:00
